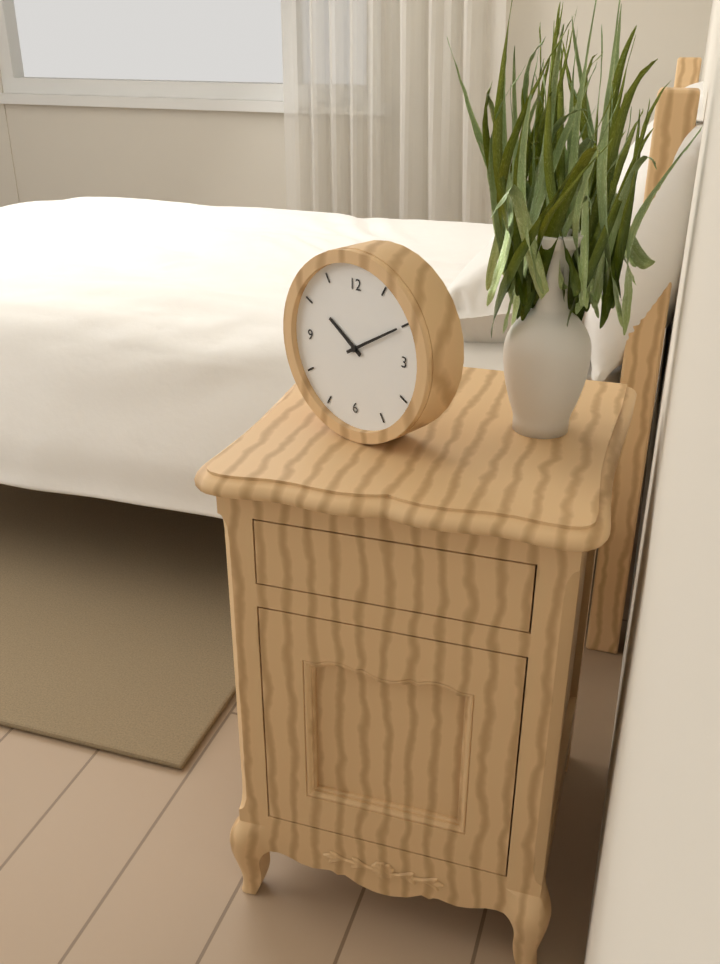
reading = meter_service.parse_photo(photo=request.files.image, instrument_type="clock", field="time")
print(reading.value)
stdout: 10:10
